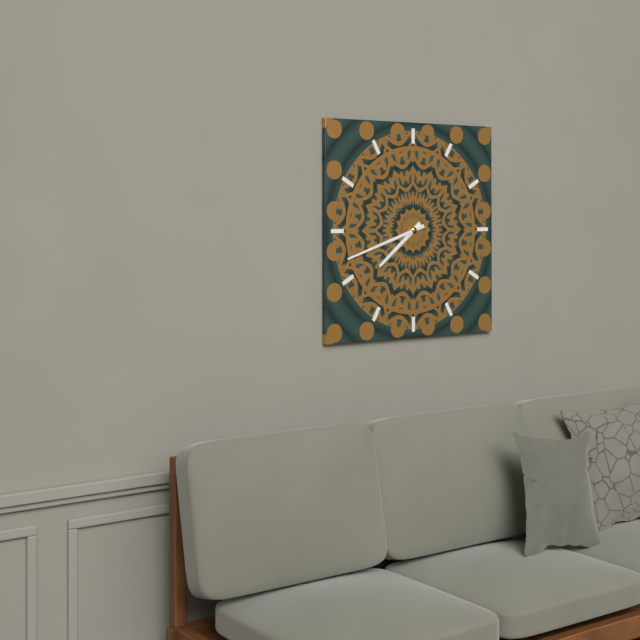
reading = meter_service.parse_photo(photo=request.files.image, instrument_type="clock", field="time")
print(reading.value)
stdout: 7:42
